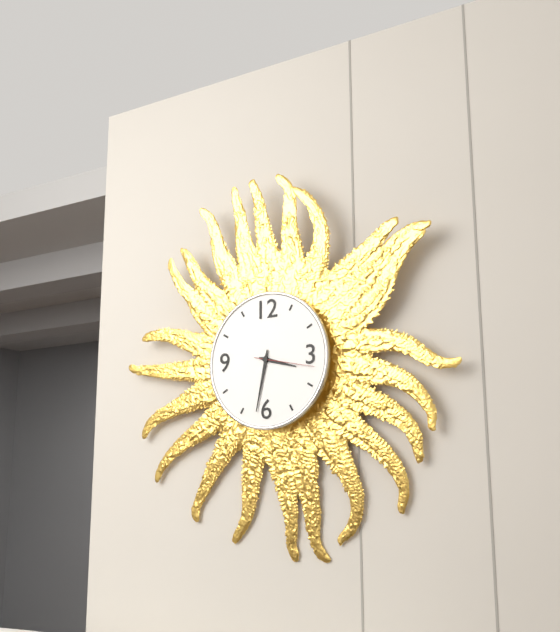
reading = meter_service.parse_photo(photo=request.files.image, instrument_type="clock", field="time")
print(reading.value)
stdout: 3:32:17
